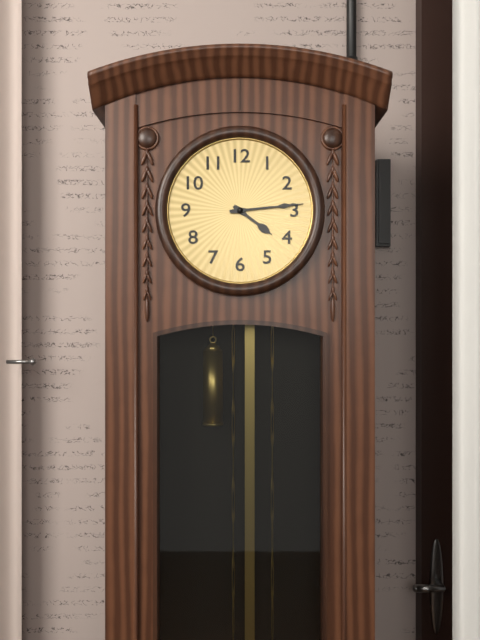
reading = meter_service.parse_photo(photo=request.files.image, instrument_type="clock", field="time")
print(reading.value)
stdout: 4:14
